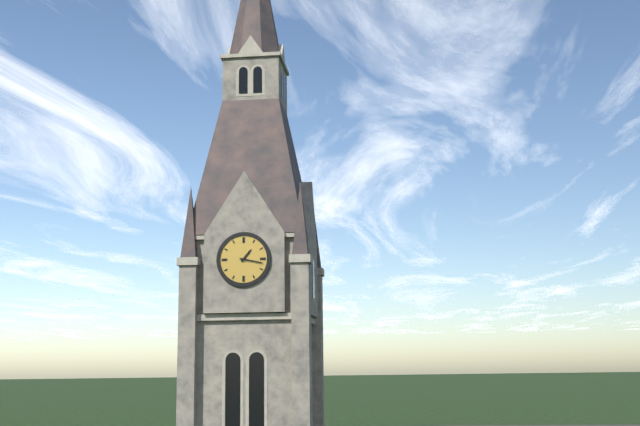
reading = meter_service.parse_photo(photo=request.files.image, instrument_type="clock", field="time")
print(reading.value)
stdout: 1:17
